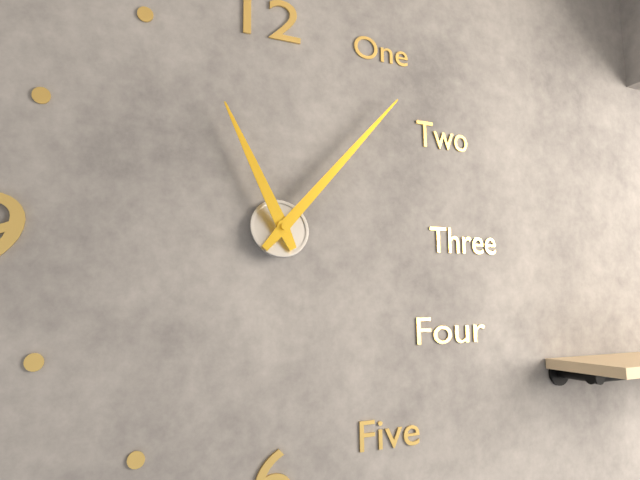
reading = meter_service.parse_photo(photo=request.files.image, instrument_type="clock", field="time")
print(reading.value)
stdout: 11:07
